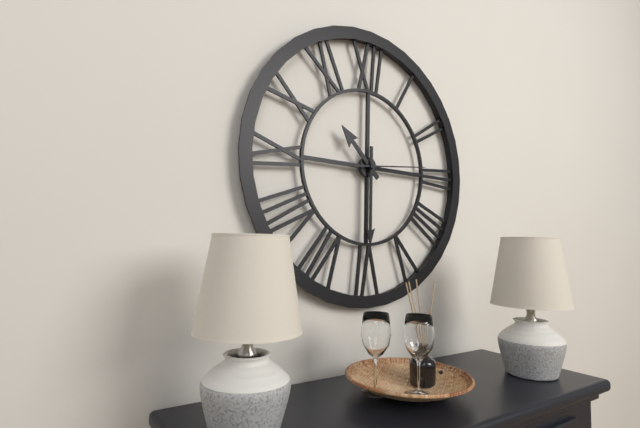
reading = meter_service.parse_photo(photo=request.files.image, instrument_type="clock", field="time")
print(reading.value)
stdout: 10:30:14
